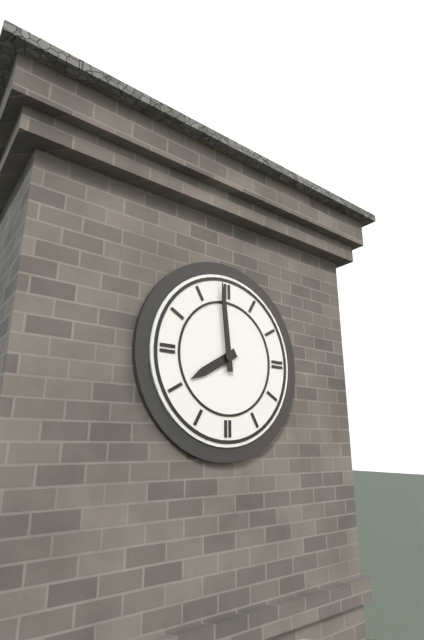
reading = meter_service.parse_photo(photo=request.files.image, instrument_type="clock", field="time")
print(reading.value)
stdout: 7:59
